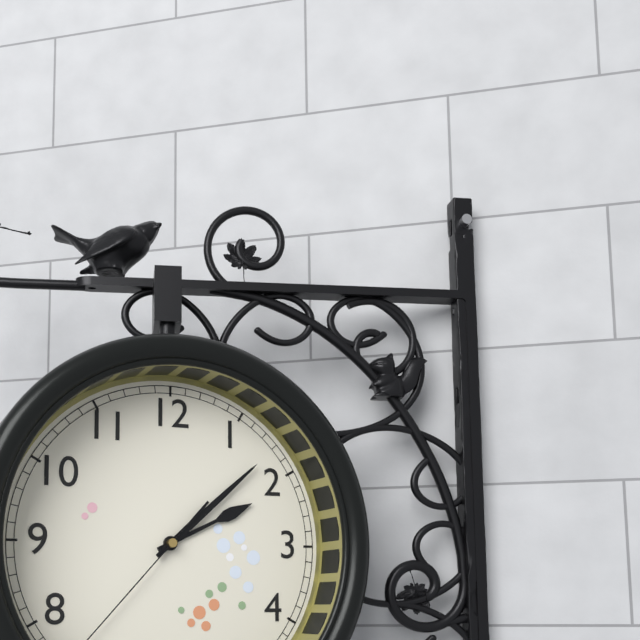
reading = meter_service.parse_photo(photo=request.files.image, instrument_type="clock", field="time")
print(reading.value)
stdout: 2:08
